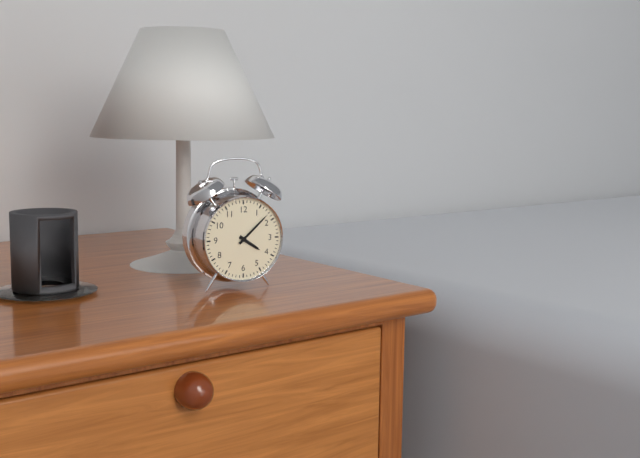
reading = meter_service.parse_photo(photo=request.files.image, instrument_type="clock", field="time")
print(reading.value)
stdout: 4:08
